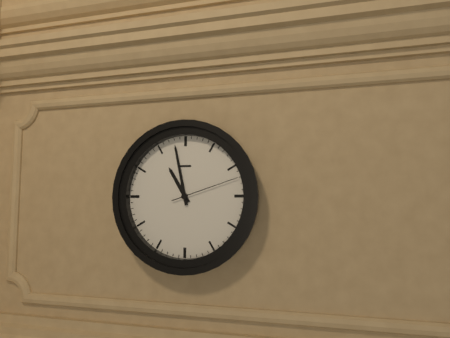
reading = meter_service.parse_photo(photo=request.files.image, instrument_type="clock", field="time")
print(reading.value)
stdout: 10:58:12
